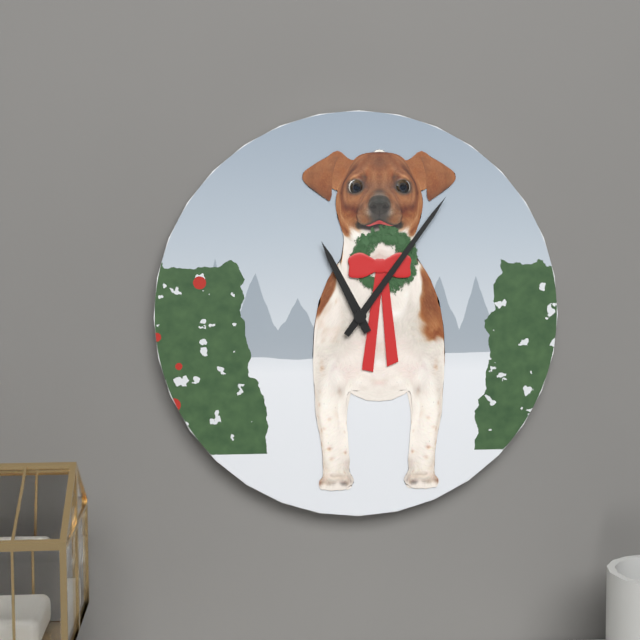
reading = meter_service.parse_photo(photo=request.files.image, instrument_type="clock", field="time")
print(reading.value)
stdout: 11:06
